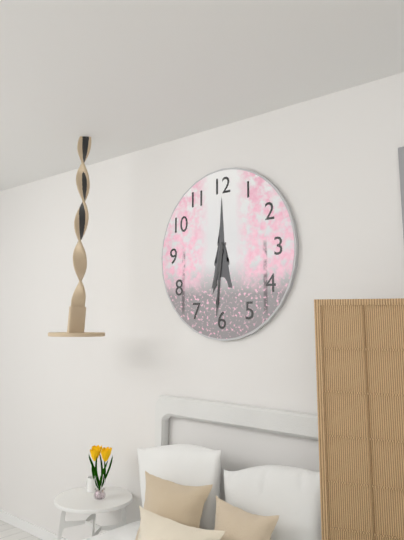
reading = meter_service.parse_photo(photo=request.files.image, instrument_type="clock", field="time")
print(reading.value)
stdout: 6:31
